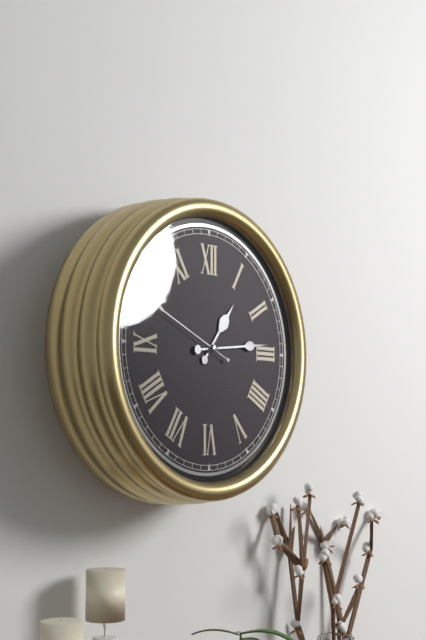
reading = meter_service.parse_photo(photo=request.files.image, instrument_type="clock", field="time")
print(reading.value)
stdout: 1:14:49
